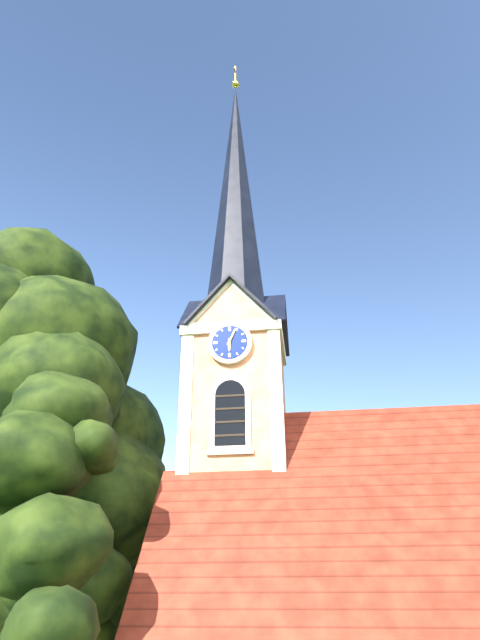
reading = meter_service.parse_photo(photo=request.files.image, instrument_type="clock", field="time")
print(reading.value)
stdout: 6:04
